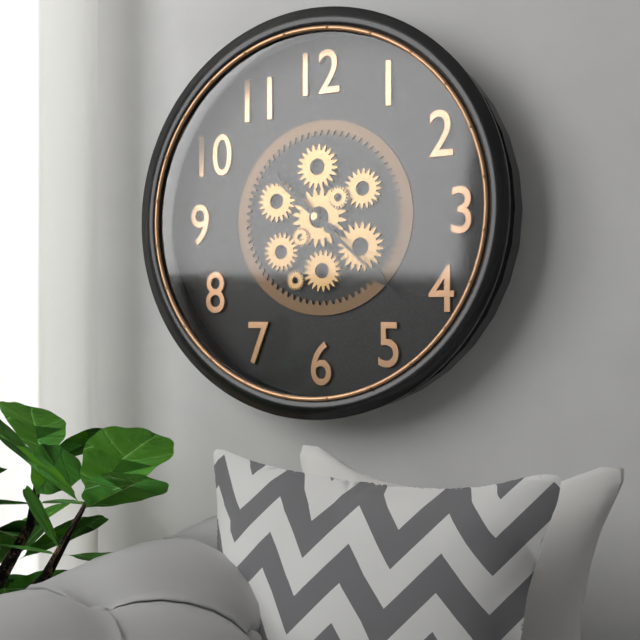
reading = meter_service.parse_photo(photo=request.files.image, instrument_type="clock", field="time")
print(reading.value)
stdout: 10:22
